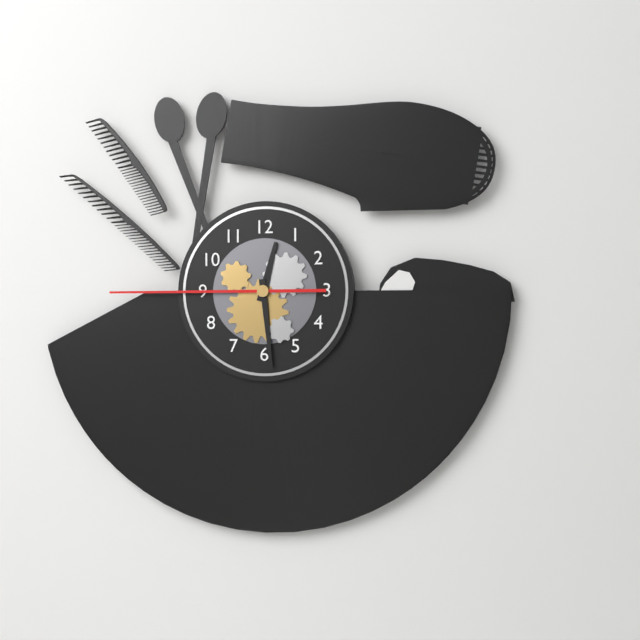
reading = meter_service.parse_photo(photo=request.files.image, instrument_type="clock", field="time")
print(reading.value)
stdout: 12:29:45
